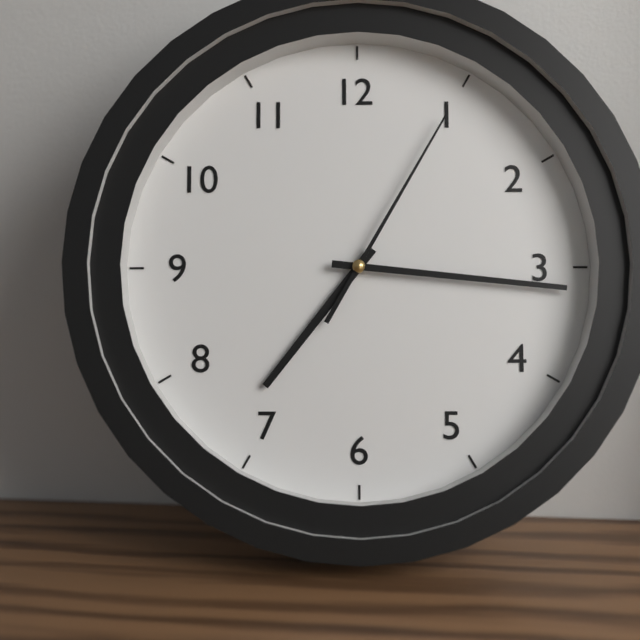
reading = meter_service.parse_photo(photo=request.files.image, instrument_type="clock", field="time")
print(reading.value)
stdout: 7:16:05
